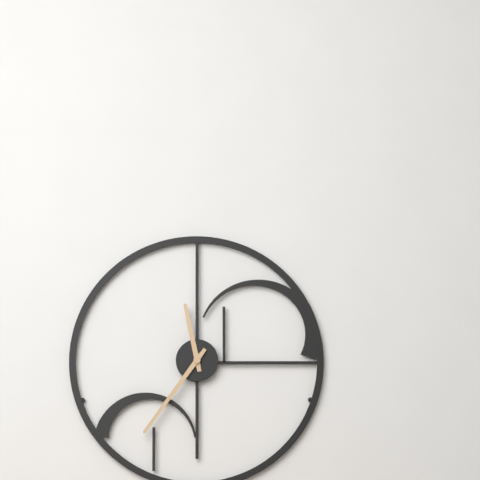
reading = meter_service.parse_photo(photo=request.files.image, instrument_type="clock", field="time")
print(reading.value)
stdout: 11:36
